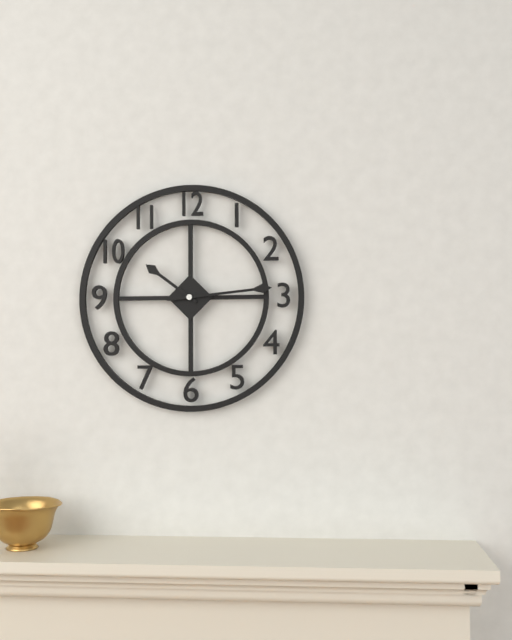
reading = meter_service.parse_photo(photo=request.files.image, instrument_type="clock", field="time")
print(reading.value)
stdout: 10:14
